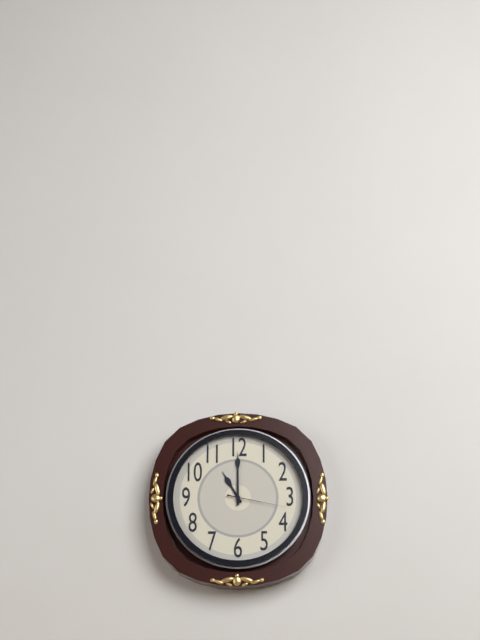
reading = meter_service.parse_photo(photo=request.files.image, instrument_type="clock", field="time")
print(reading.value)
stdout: 11:00:17
